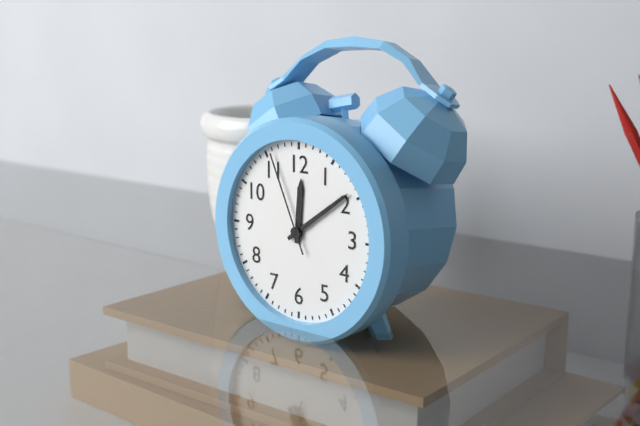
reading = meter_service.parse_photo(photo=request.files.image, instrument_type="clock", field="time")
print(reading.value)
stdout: 12:09:56
